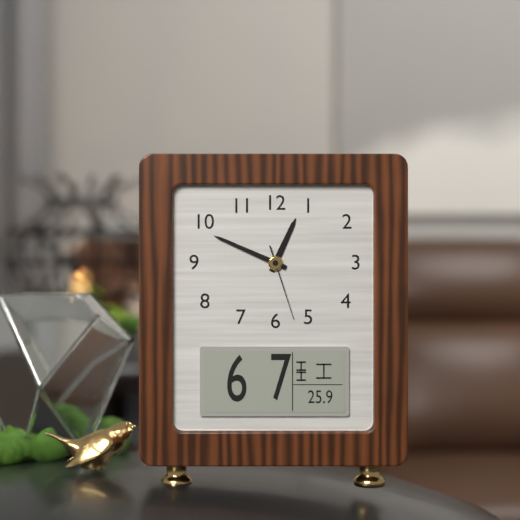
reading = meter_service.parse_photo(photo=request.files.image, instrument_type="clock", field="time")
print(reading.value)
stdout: 12:49:27
